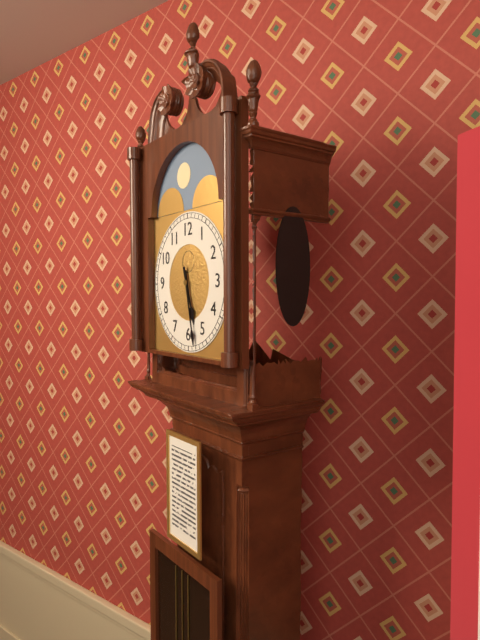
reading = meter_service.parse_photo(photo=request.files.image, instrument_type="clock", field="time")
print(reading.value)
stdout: 5:28
